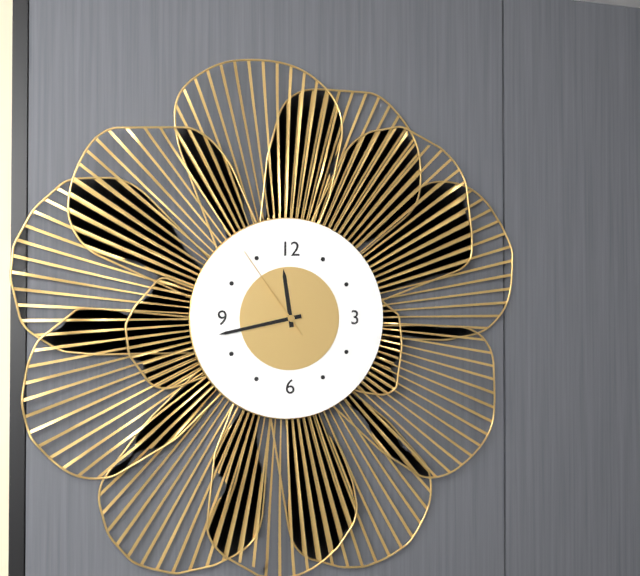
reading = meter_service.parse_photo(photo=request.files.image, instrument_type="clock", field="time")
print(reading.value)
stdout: 11:43:54
